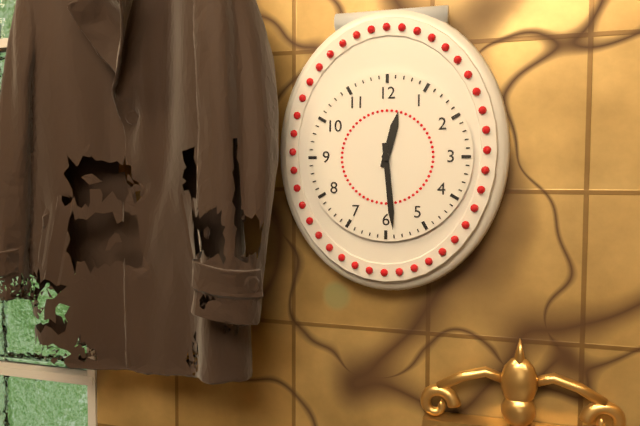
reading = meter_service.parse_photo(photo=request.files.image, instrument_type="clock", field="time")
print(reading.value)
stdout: 12:29
